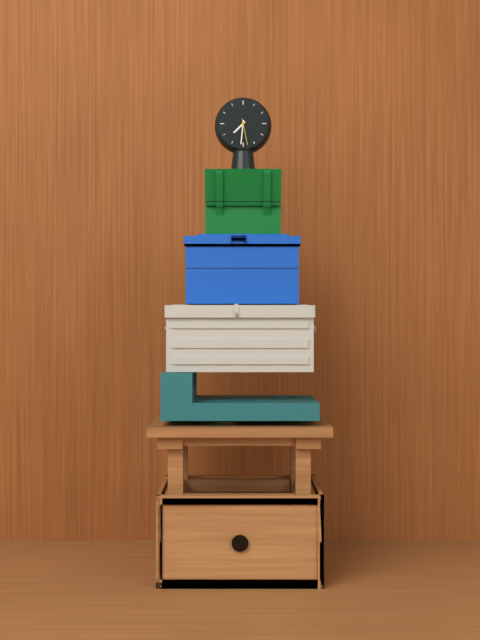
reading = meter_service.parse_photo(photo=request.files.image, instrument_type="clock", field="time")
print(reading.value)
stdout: 7:31
